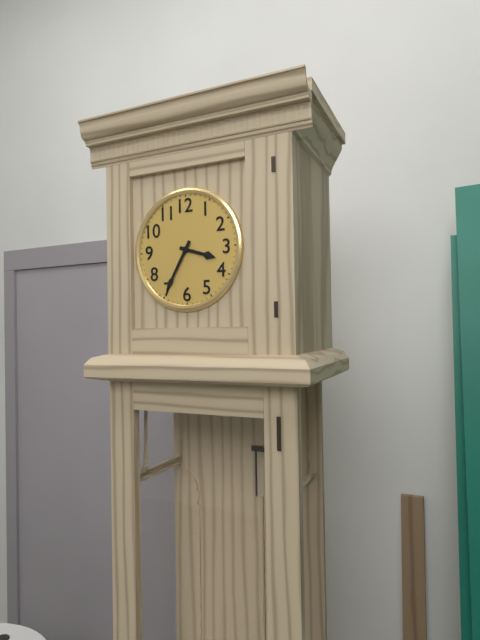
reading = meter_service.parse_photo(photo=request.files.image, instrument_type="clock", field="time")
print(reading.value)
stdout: 3:35
